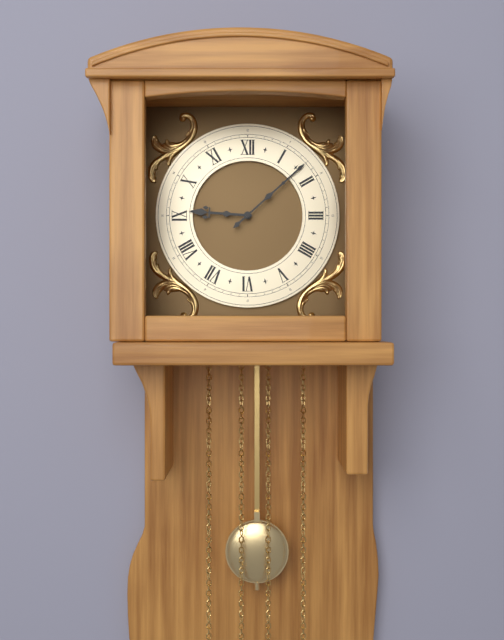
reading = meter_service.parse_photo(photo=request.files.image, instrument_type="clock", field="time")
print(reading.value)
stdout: 9:08
